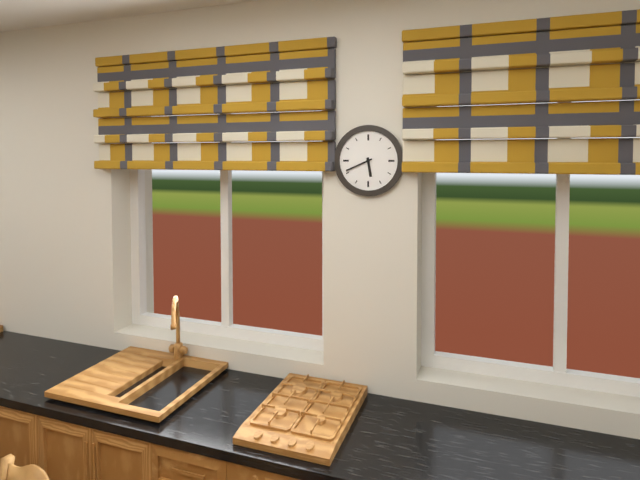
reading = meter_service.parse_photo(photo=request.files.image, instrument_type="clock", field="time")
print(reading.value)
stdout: 5:41
